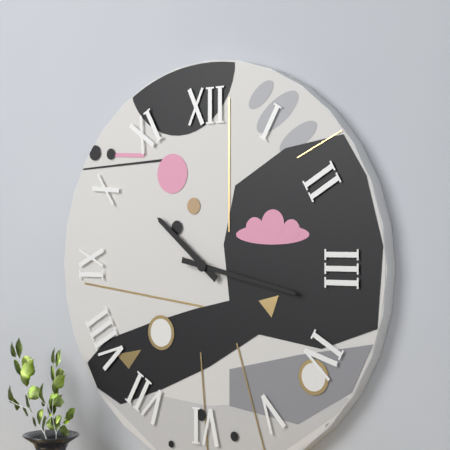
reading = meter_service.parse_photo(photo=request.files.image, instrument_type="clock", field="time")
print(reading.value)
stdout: 10:17
